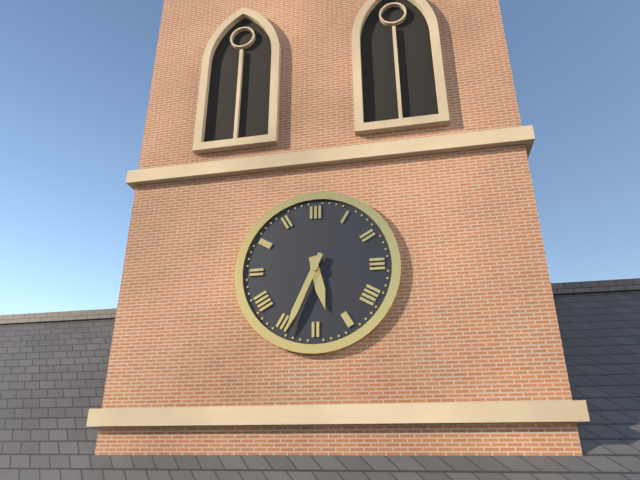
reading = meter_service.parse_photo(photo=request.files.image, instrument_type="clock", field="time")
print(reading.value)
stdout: 5:34
